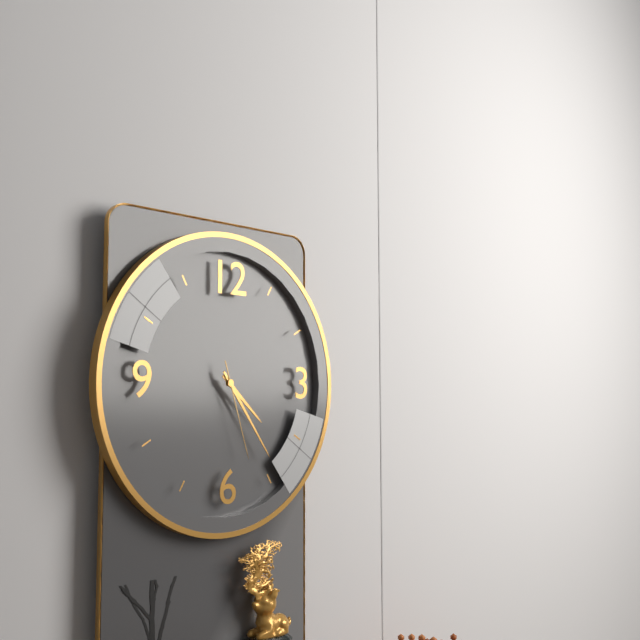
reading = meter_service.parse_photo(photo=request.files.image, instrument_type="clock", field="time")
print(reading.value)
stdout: 4:24:27
